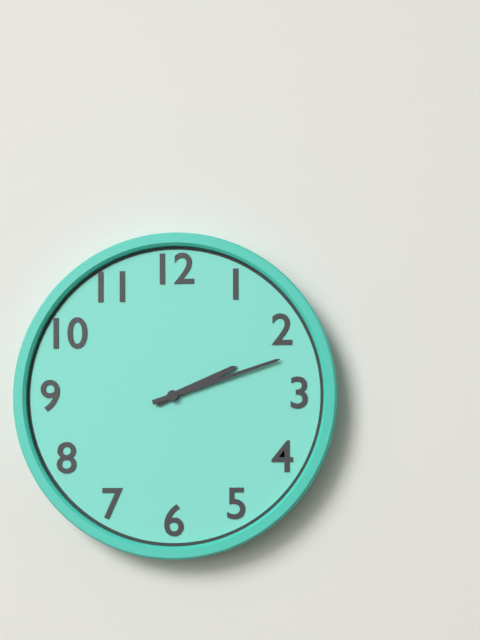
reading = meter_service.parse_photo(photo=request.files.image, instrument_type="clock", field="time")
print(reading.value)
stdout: 2:12
